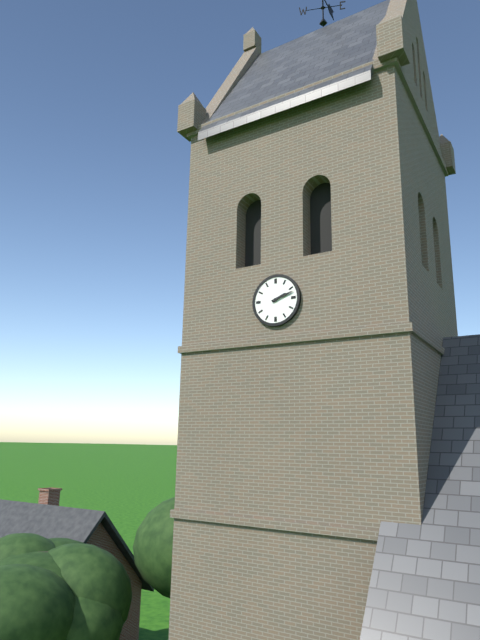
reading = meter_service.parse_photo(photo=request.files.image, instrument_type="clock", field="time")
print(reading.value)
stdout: 2:12
